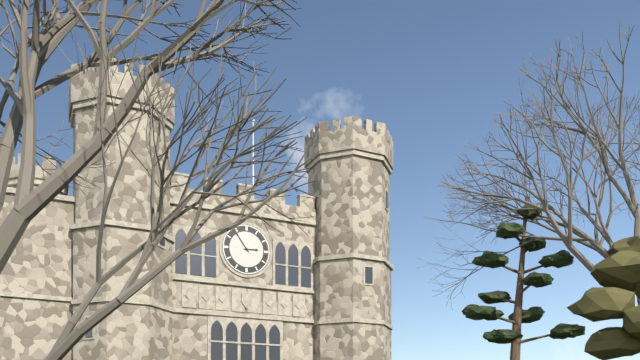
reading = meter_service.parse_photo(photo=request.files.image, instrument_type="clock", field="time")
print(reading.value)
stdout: 2:54
